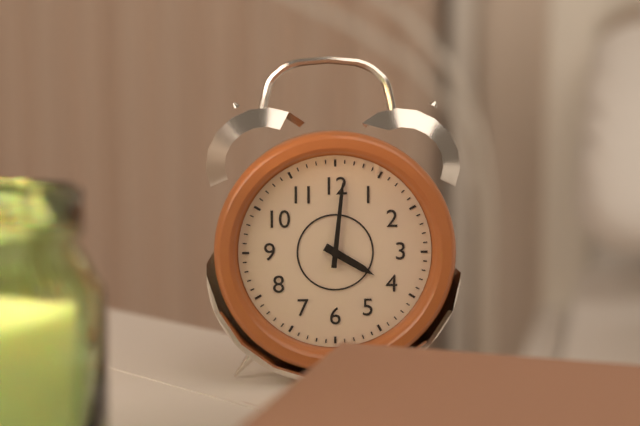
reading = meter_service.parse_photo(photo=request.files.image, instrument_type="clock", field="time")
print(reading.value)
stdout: 4:01
